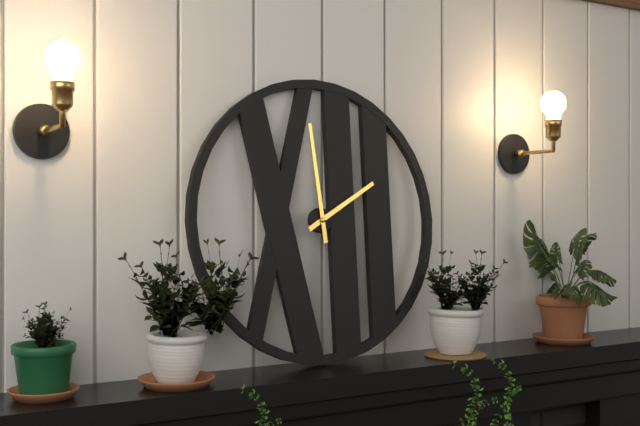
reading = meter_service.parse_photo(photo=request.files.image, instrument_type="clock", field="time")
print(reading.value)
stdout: 1:59
